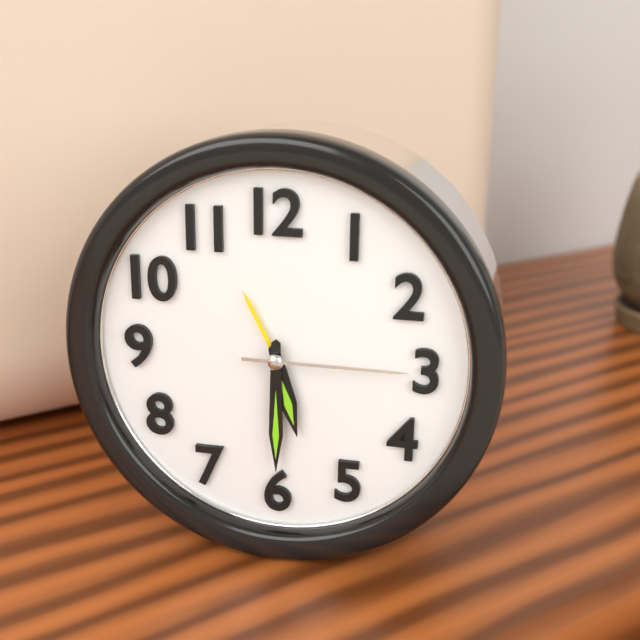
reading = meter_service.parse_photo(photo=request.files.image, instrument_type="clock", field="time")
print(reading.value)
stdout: 5:30:15
